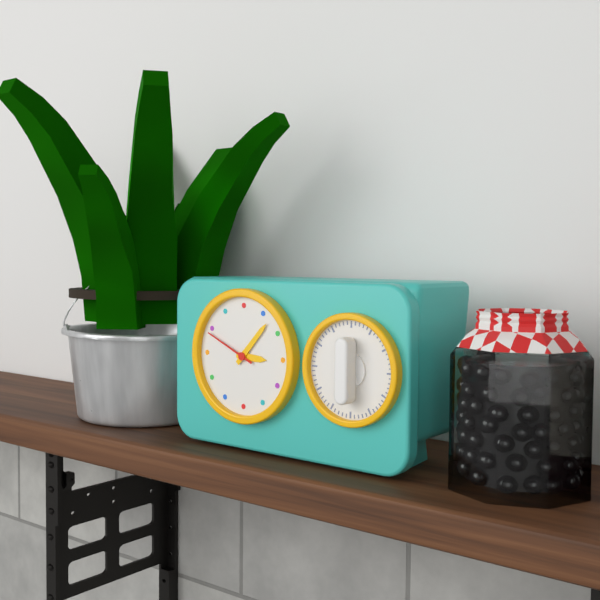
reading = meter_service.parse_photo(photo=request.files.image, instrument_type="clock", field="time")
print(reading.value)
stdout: 3:07:49
